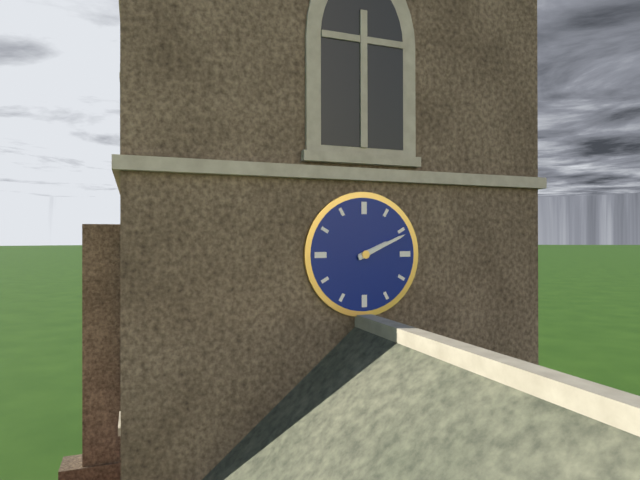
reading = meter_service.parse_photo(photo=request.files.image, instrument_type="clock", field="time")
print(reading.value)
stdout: 2:11
